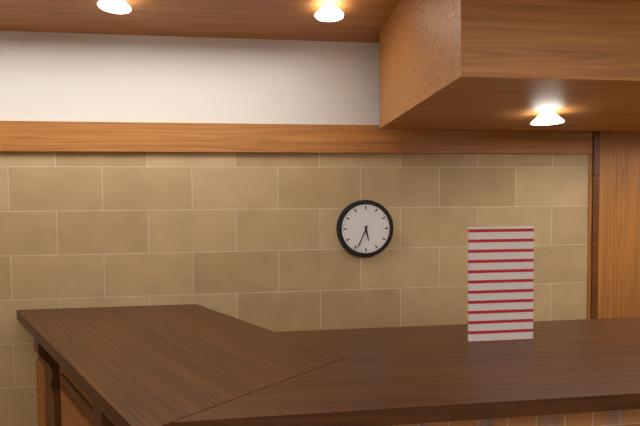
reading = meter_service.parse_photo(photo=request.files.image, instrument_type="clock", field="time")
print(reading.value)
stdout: 5:34
